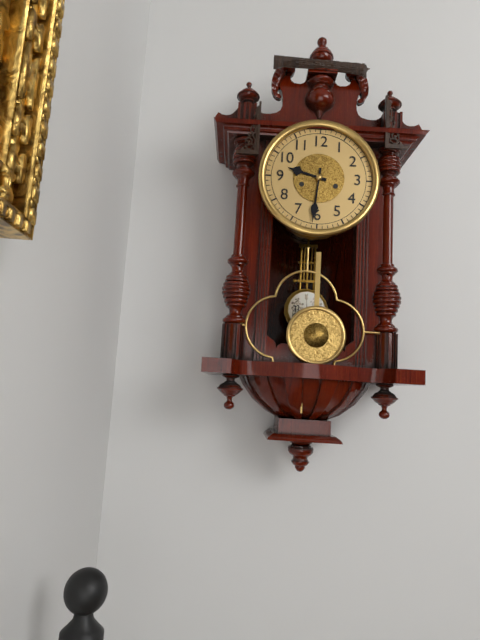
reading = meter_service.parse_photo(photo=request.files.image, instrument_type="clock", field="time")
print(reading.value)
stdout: 9:31
